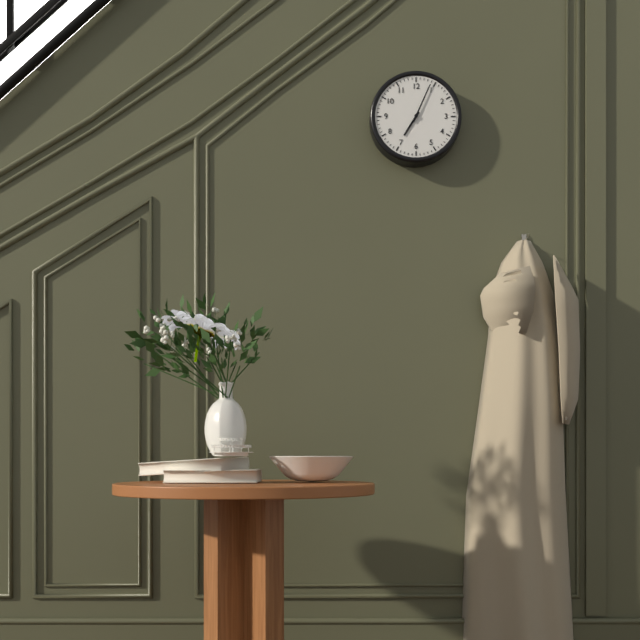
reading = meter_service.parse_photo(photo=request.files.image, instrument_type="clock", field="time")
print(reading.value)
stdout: 7:04
